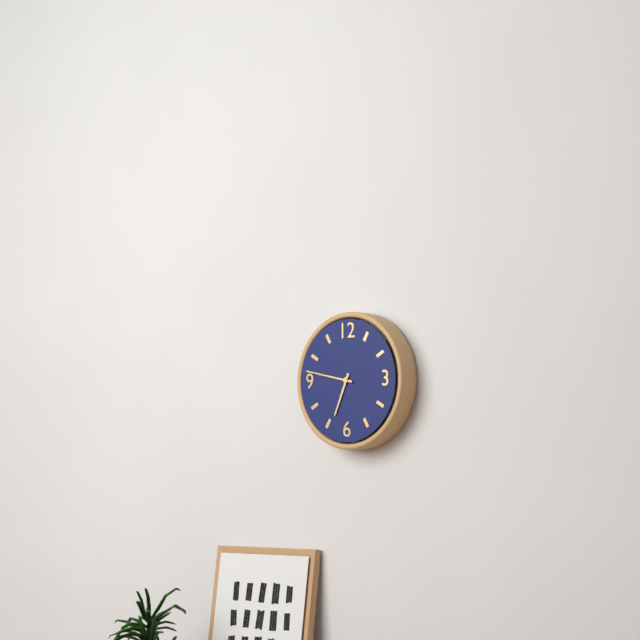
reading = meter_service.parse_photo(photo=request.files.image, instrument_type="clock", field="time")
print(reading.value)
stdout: 6:47
